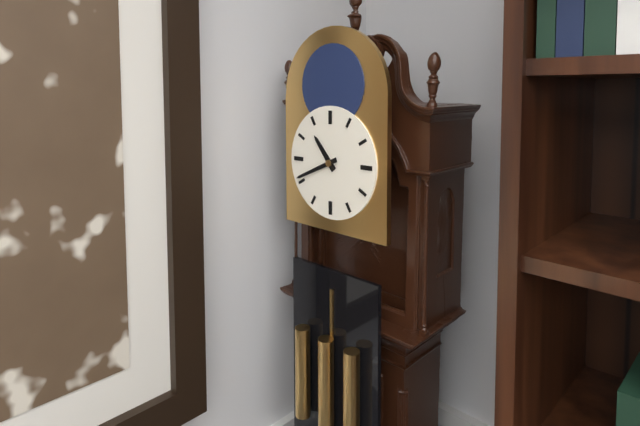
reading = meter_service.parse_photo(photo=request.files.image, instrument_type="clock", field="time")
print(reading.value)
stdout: 10:41
